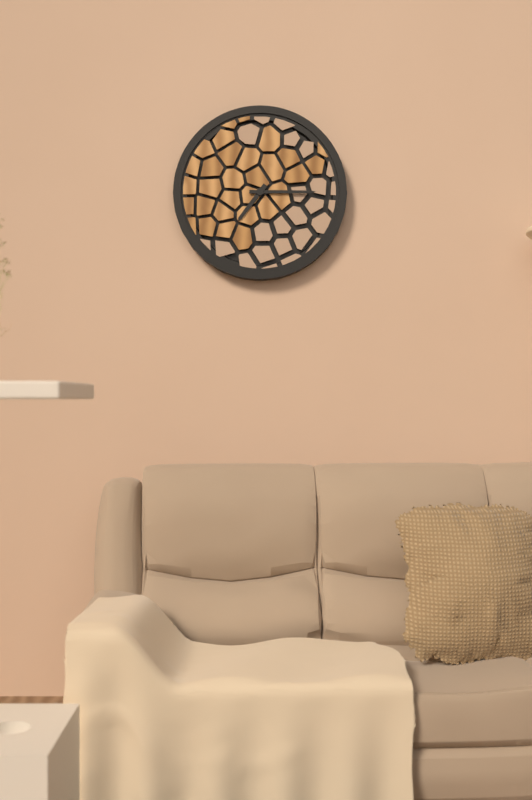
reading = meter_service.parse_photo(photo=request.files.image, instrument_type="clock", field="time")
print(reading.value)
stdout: 7:15
